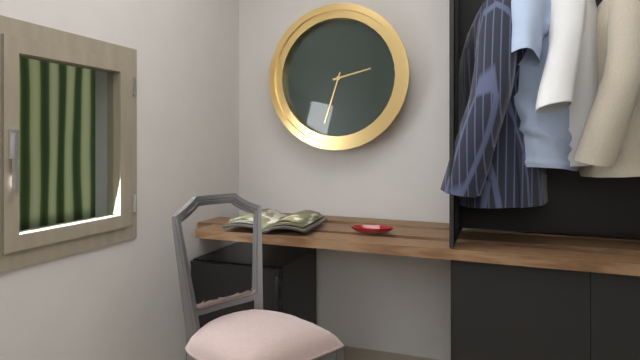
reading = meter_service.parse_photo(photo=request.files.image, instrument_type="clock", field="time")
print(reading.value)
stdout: 2:33
